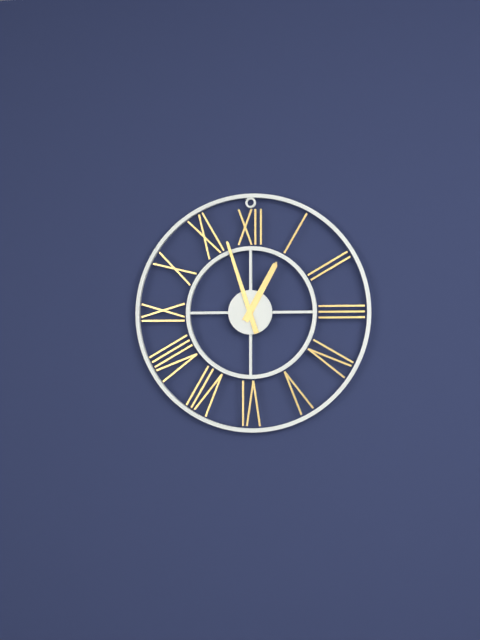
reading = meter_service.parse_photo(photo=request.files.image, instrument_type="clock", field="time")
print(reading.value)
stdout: 12:57
